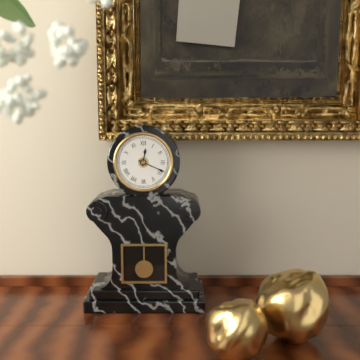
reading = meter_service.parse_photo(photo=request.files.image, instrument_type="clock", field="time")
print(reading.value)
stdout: 12:19
